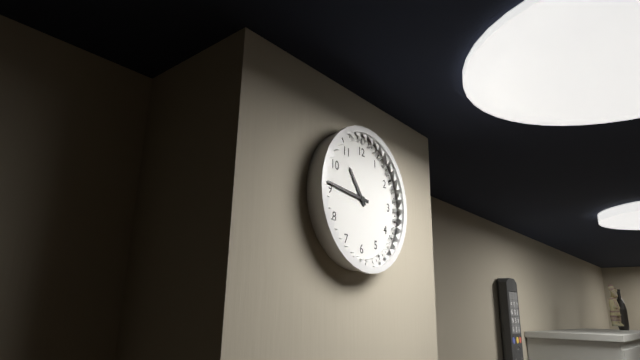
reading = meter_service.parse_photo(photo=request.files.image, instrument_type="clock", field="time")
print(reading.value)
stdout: 10:46
